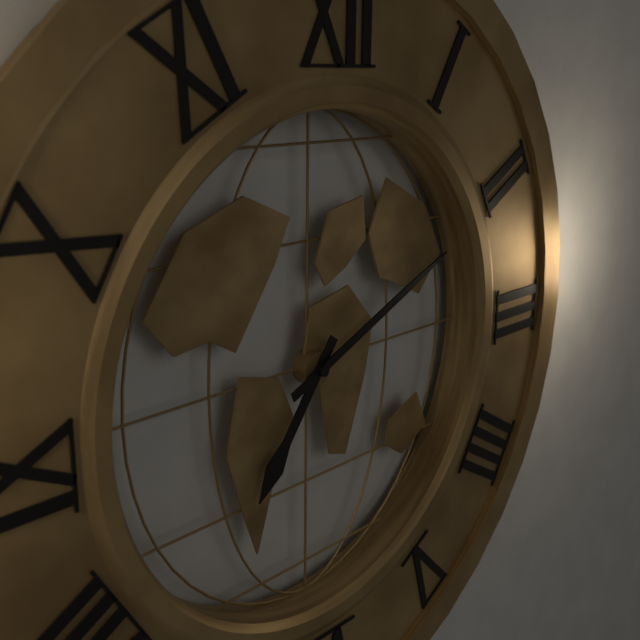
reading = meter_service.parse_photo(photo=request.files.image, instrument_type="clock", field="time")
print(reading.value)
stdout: 7:11
